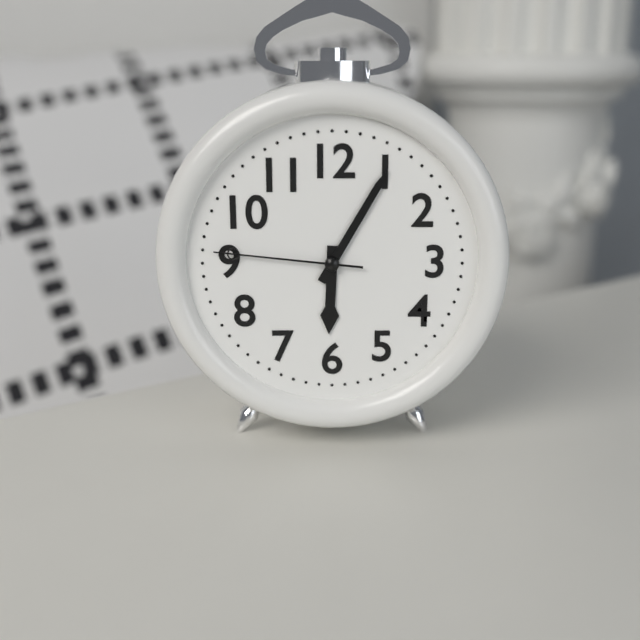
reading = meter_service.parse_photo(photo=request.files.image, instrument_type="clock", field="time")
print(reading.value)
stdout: 6:05:46
